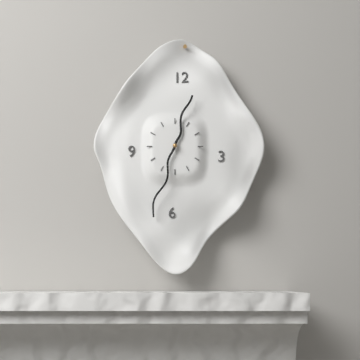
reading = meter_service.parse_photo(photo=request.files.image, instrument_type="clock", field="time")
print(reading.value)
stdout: 12:33
